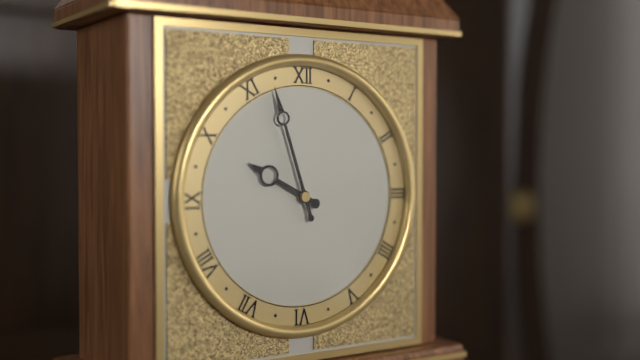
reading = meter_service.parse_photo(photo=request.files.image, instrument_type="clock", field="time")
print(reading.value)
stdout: 9:57
